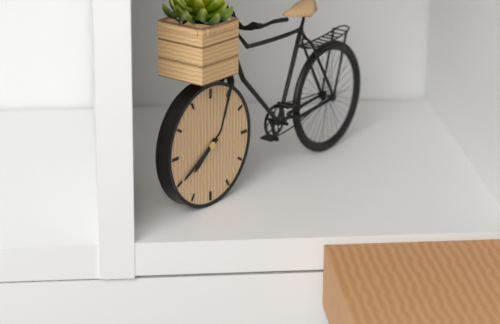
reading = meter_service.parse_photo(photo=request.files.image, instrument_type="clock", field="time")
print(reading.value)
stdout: 7:40
